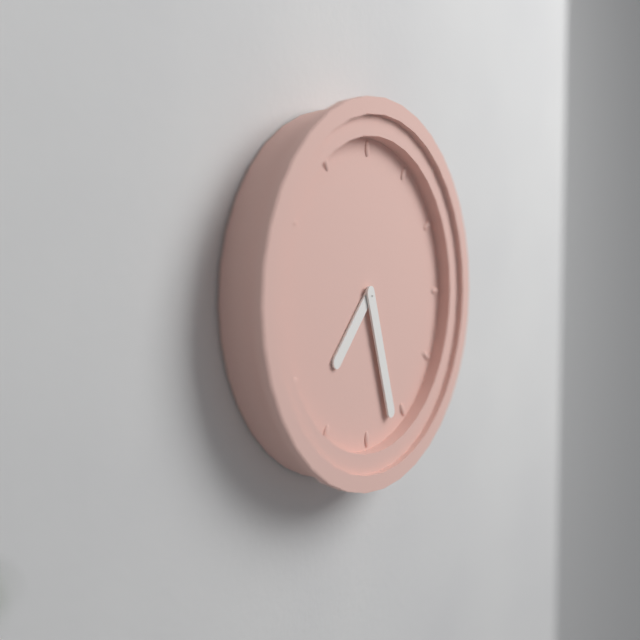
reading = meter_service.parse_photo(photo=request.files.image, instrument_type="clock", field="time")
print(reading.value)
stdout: 7:27
